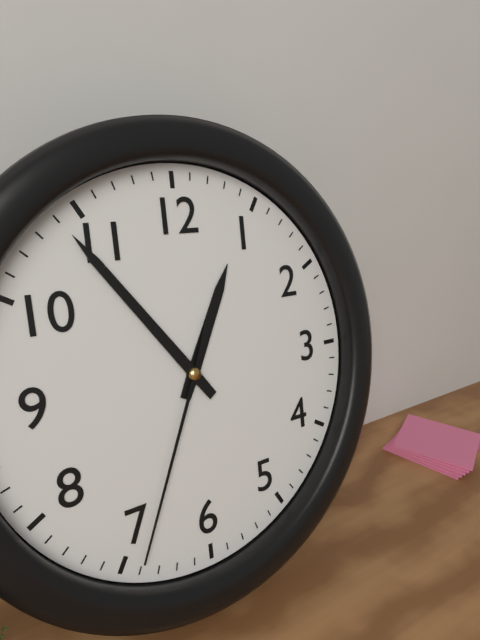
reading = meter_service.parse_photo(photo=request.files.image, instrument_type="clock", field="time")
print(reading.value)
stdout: 12:54:34
